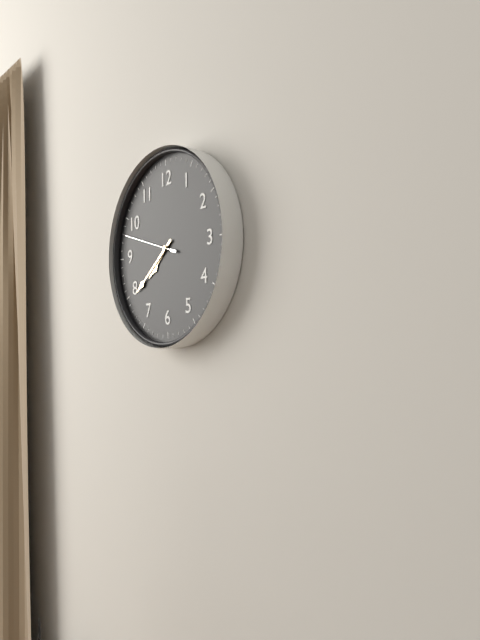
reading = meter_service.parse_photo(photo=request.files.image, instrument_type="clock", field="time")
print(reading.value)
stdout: 7:39:48
